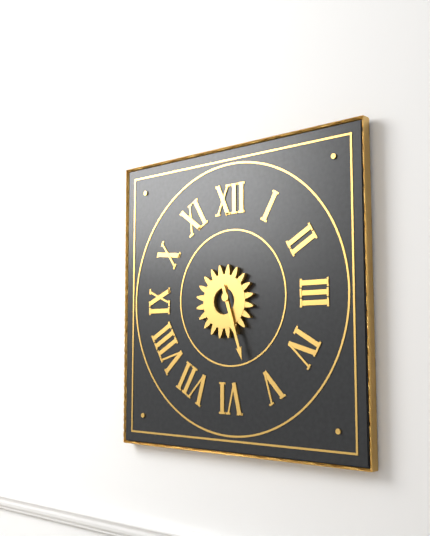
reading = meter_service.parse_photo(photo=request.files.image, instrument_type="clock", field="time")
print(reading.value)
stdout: 5:27
